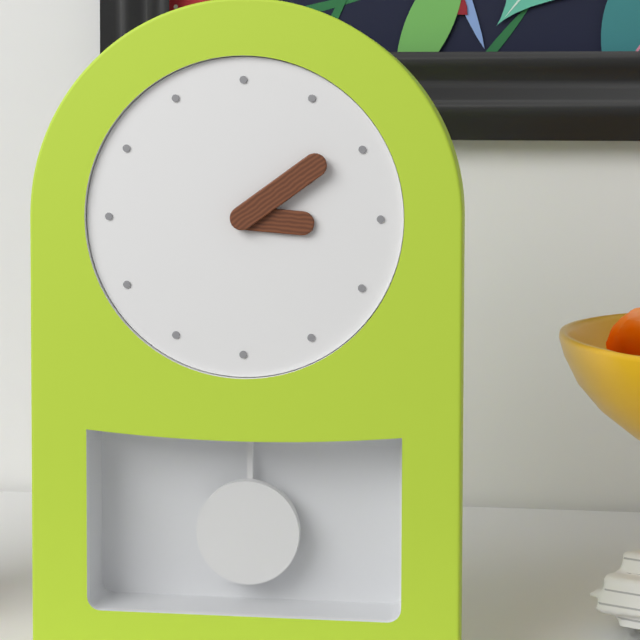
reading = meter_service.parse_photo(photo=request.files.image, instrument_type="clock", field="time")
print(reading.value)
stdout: 3:09
